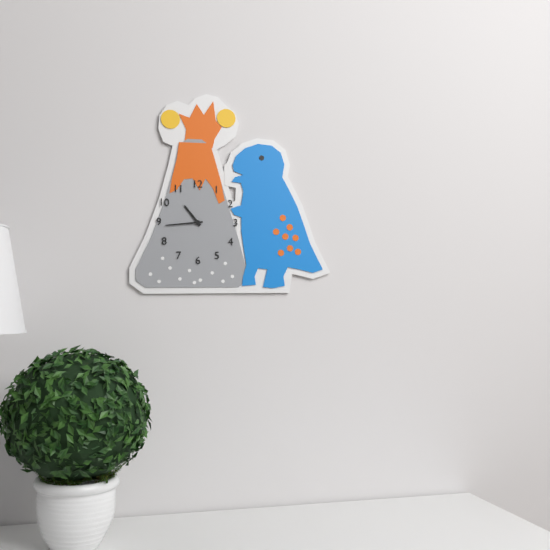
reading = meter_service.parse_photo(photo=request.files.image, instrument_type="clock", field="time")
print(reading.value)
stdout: 10:44
